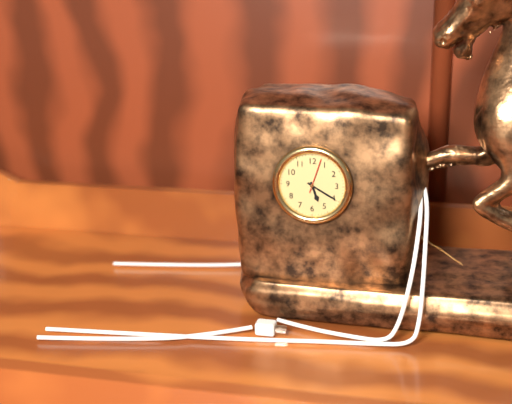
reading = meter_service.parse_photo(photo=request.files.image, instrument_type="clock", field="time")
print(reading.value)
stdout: 5:20
